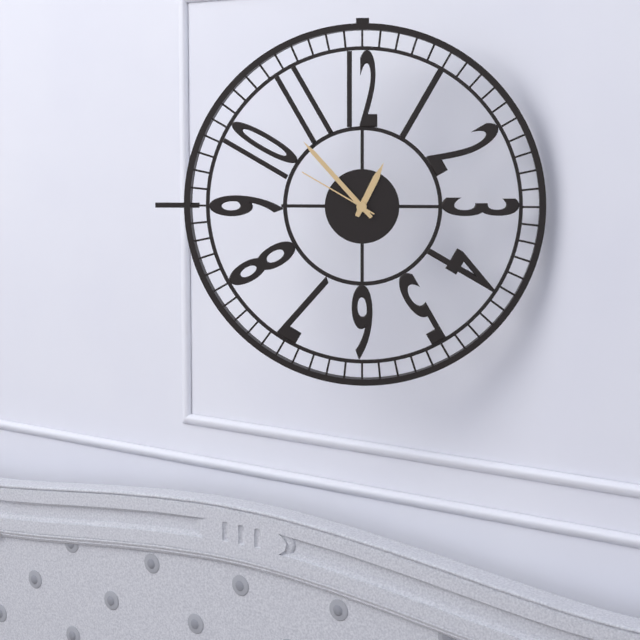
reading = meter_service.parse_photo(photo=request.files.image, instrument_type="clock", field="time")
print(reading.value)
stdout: 12:53:50
